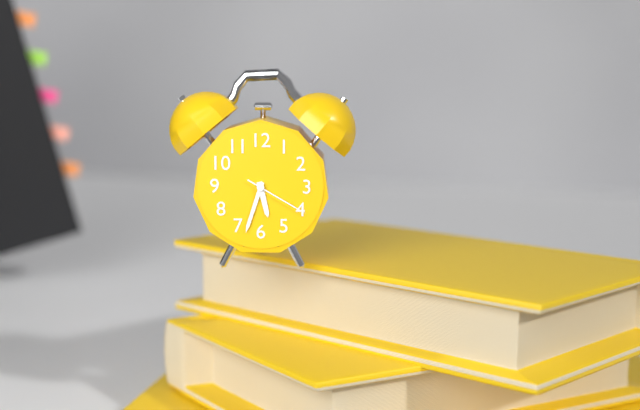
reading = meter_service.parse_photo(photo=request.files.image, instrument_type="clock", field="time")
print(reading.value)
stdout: 5:33:20
